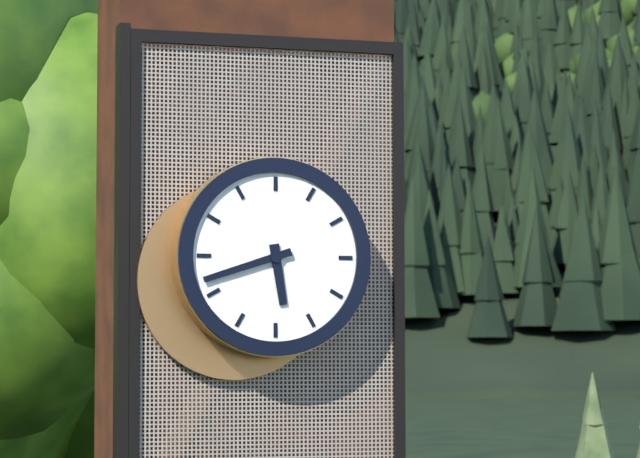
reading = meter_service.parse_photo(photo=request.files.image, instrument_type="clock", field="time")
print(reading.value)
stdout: 5:42
